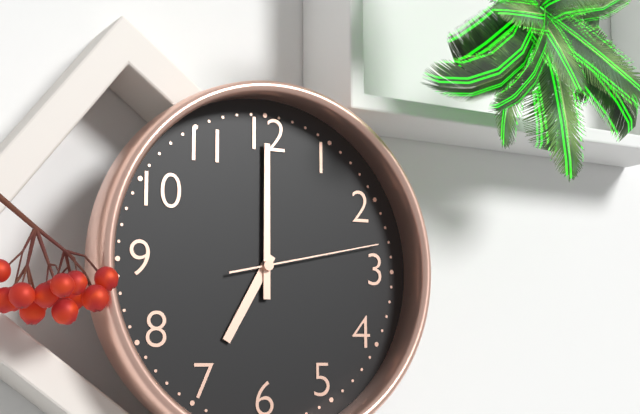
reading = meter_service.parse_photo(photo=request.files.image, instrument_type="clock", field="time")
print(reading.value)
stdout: 7:00:13
